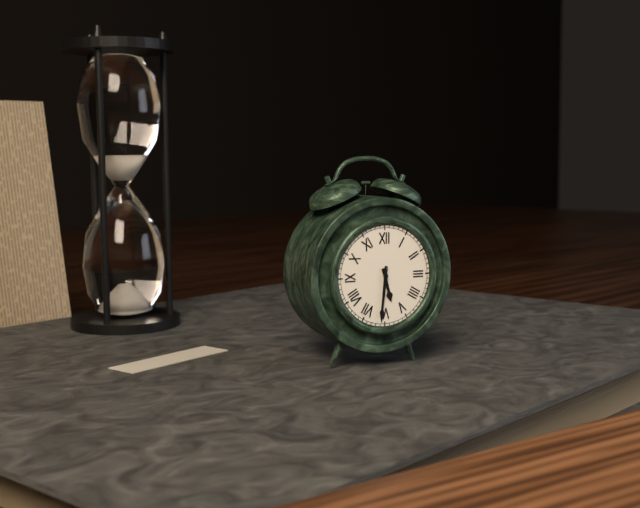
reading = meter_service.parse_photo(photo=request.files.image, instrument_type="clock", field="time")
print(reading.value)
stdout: 5:31
